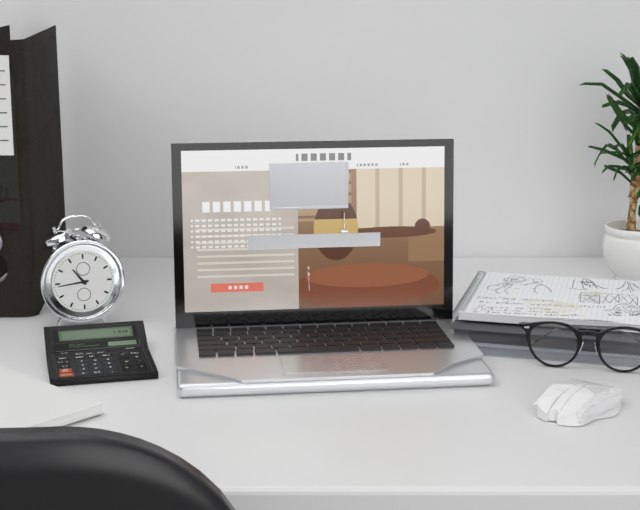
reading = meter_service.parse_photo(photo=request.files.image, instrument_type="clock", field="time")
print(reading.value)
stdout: 10:44
